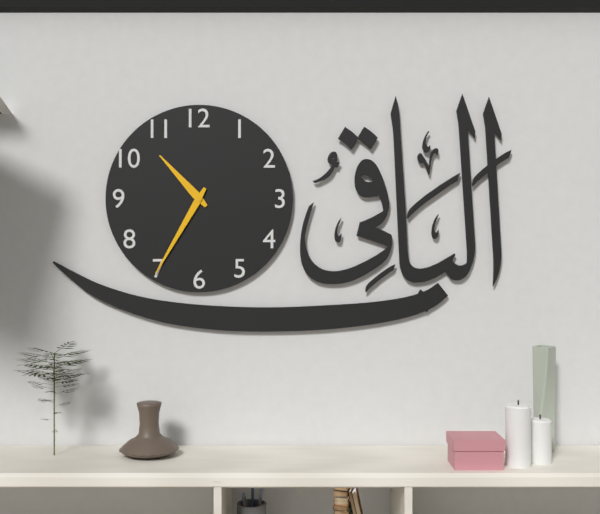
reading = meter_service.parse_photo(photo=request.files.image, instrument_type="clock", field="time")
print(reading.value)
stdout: 10:35
